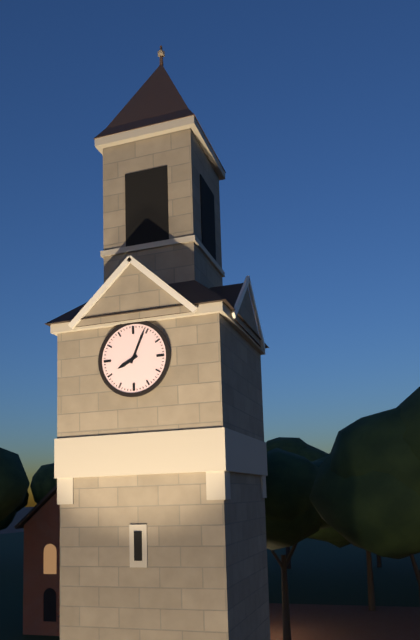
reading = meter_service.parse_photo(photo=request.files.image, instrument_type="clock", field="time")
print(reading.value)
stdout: 8:04
